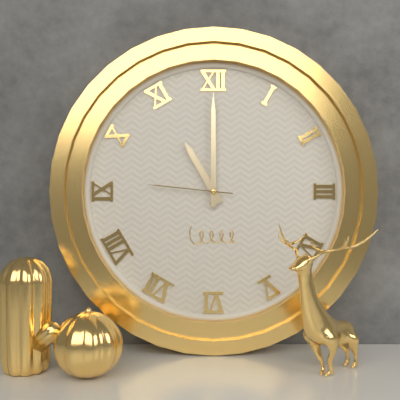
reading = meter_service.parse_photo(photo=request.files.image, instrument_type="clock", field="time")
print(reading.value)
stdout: 11:00:46
